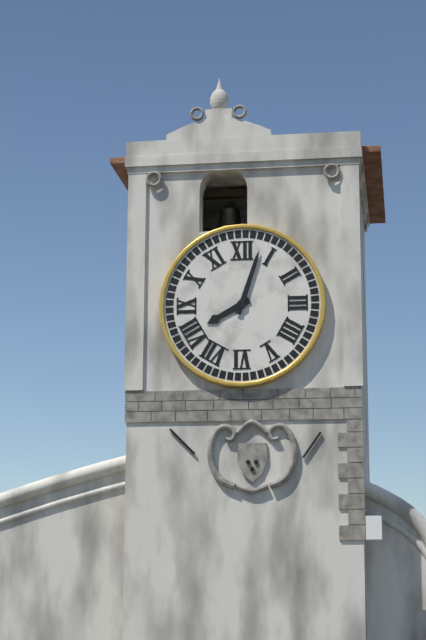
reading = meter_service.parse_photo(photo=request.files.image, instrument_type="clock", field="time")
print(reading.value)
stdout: 8:03
